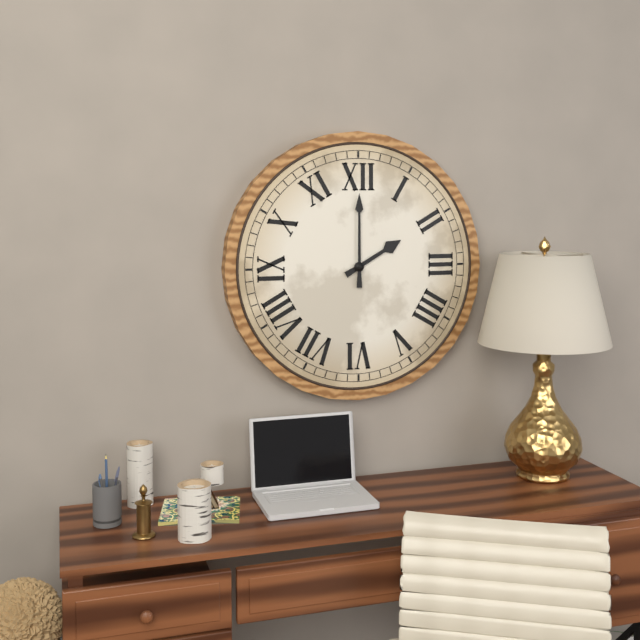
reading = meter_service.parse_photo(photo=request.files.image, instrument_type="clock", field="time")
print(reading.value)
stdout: 2:00
